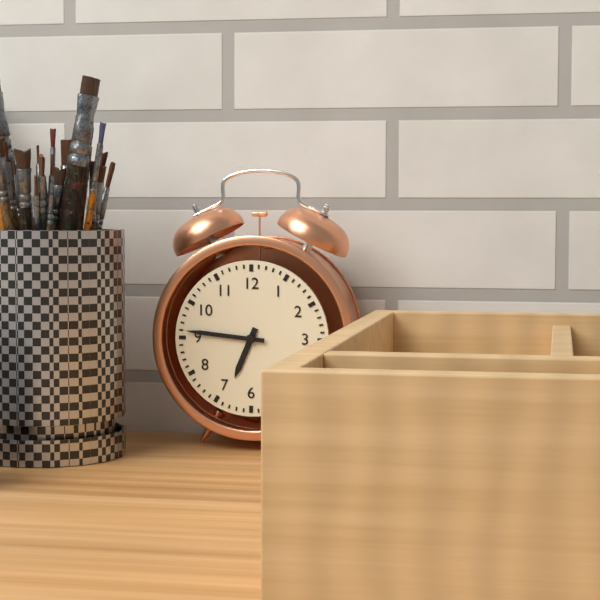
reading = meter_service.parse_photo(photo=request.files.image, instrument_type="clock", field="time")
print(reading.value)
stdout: 6:46
